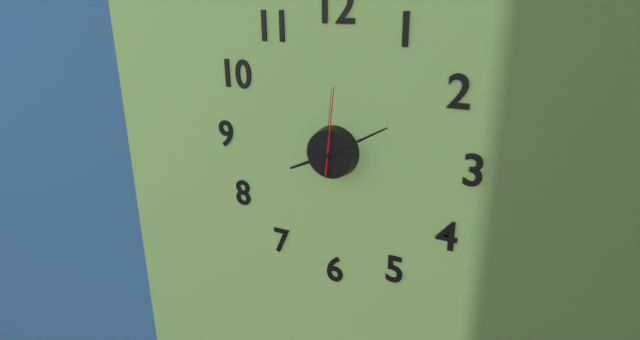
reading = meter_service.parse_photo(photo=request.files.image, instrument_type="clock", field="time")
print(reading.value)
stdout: 8:10:01
